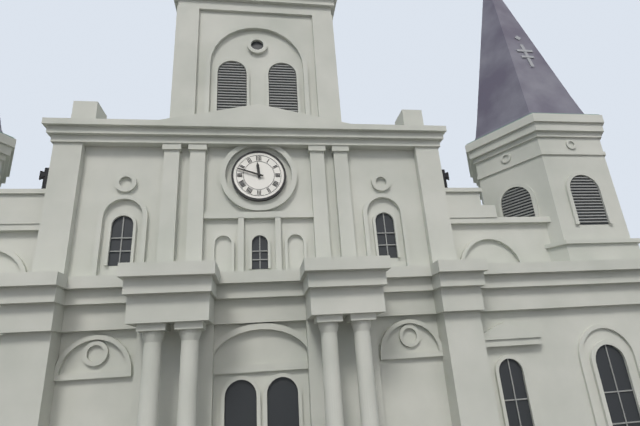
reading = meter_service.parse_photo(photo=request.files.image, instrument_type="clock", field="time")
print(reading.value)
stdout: 11:48
